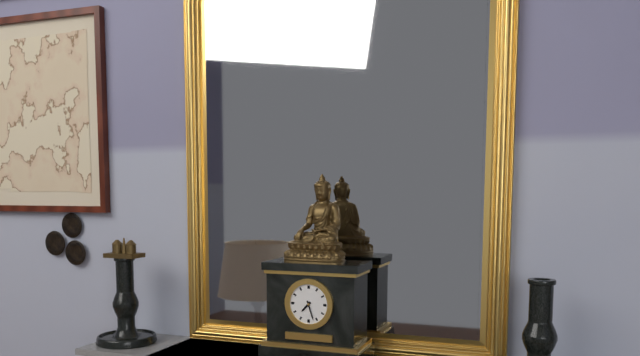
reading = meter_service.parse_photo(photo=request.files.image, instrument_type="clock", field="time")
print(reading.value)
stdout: 7:27
